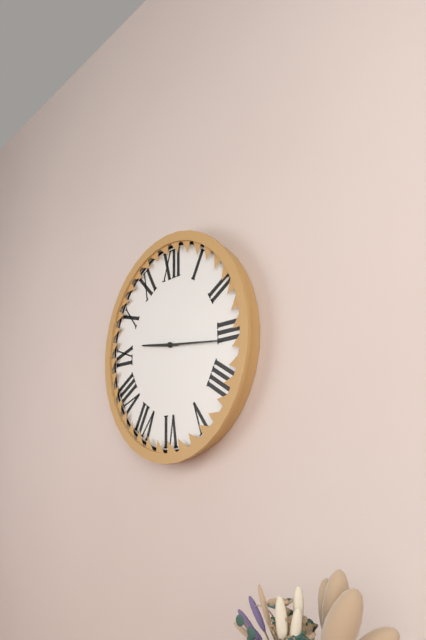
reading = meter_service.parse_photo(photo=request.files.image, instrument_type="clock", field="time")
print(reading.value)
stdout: 9:16
